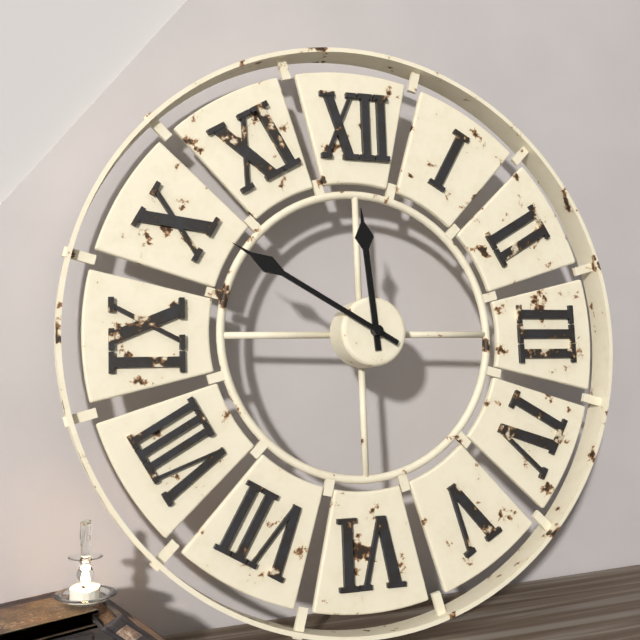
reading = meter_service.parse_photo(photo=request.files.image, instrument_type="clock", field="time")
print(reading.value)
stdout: 11:50
